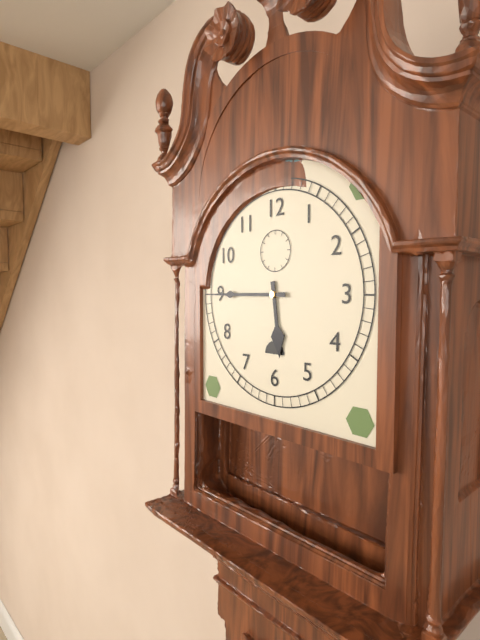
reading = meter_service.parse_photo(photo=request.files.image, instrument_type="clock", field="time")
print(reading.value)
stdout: 5:45
